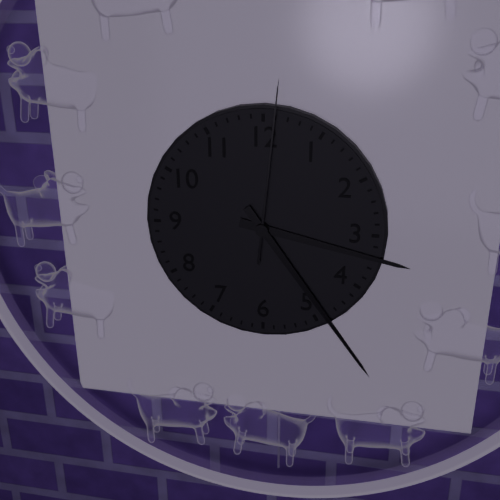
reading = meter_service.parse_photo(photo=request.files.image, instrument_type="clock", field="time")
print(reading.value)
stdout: 3:24:01
